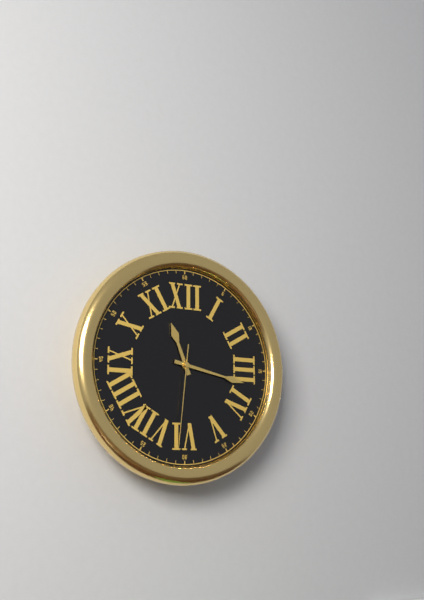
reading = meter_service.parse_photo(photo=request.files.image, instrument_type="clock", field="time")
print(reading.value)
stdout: 11:17:31
